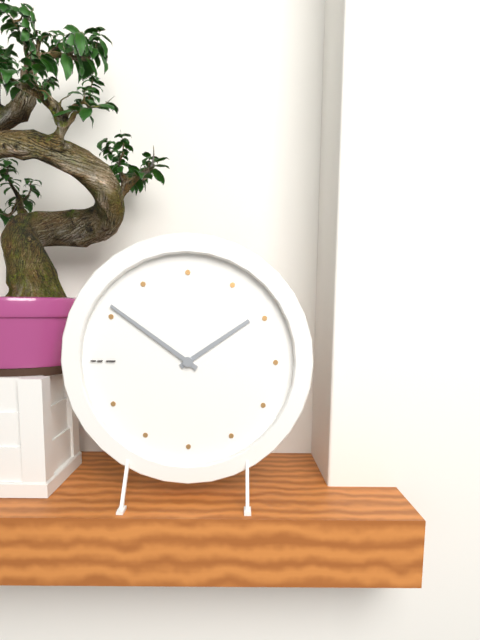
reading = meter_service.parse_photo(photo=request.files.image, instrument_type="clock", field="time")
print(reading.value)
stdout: 1:51
